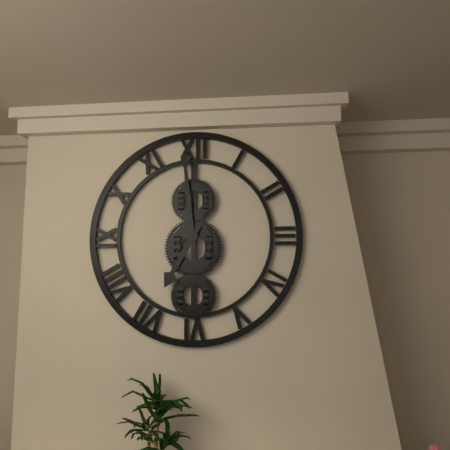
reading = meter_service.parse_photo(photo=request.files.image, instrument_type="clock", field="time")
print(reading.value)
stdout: 6:59
